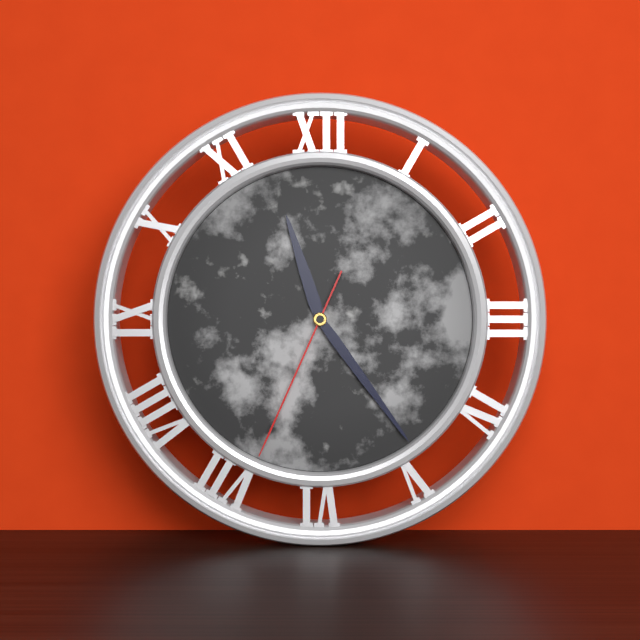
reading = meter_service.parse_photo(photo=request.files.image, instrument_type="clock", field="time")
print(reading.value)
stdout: 11:24:34
